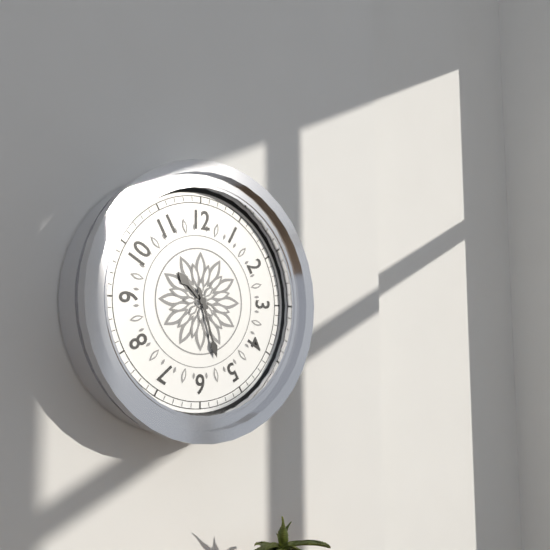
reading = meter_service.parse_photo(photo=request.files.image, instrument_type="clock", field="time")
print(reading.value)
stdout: 10:27
